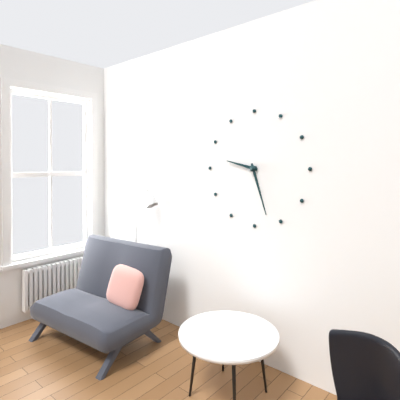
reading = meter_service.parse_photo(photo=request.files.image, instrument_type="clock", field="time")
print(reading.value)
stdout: 9:27
